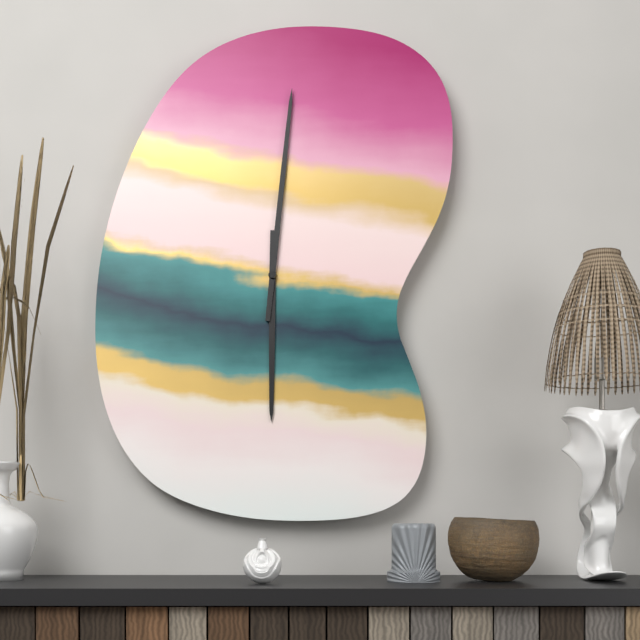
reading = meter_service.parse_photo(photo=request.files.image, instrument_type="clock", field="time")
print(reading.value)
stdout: 6:01
